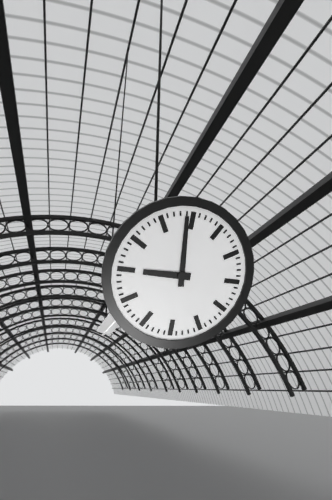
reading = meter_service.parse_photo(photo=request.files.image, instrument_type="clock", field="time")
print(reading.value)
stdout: 8:59
